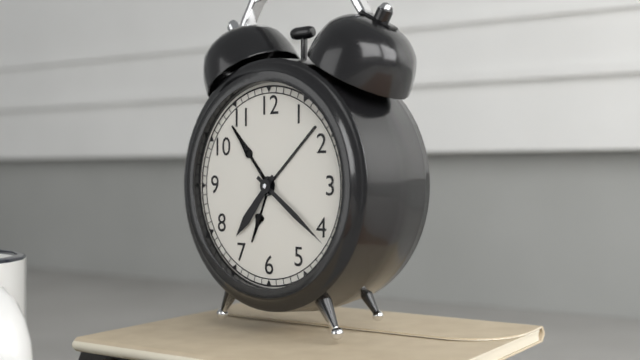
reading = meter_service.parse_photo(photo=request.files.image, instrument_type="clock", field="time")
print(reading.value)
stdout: 7:21
